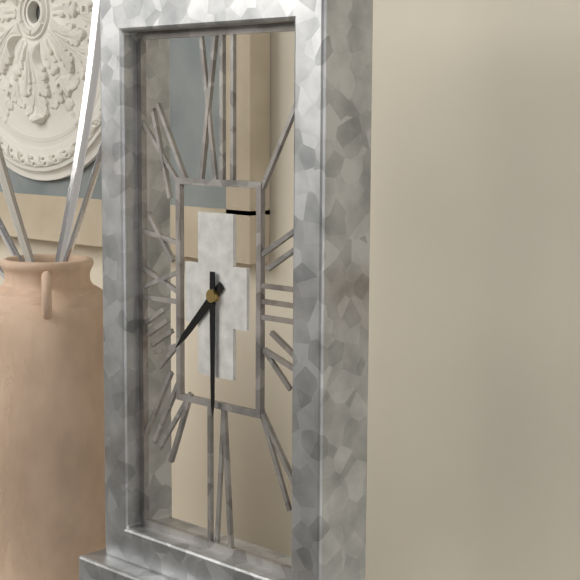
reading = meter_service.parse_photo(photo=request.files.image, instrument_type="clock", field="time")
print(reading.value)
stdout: 7:30
